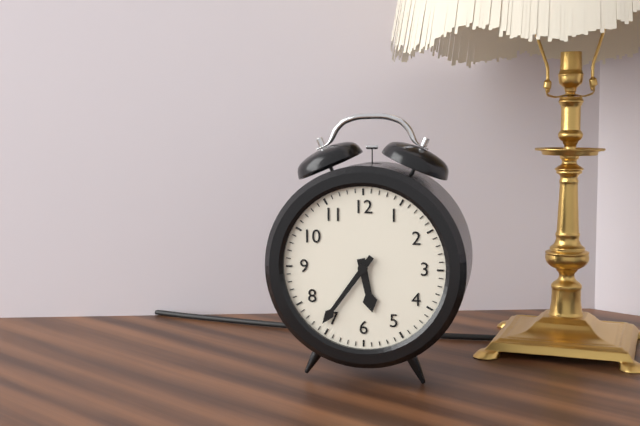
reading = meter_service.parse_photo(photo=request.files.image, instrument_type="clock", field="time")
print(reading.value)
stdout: 5:36
